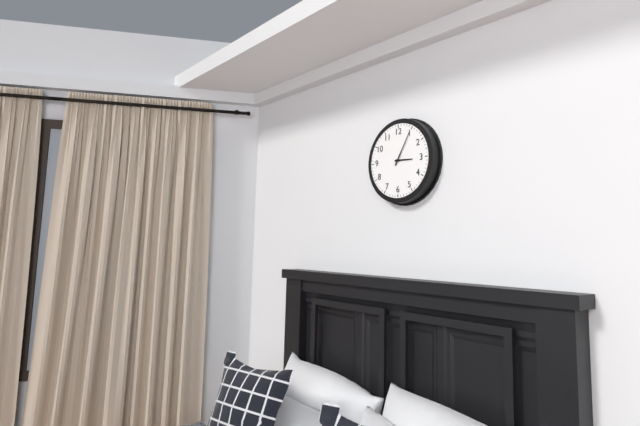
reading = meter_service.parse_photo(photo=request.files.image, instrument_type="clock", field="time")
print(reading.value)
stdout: 3:05
